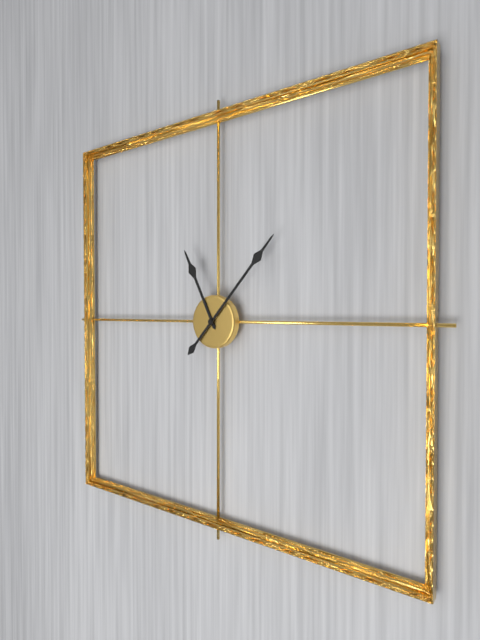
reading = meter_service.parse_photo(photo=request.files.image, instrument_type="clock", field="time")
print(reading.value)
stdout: 11:07
